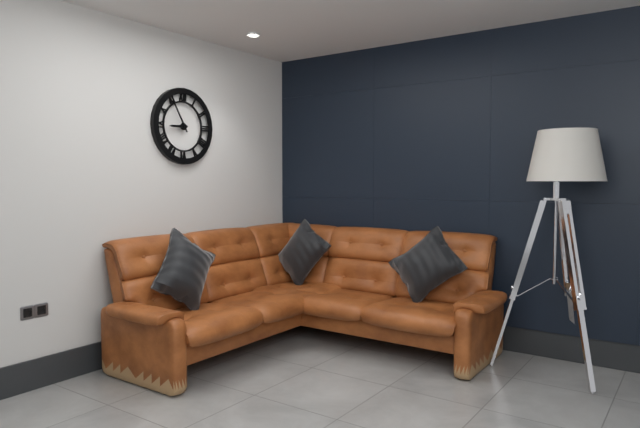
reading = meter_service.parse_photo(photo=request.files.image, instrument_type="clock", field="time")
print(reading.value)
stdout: 8:55
